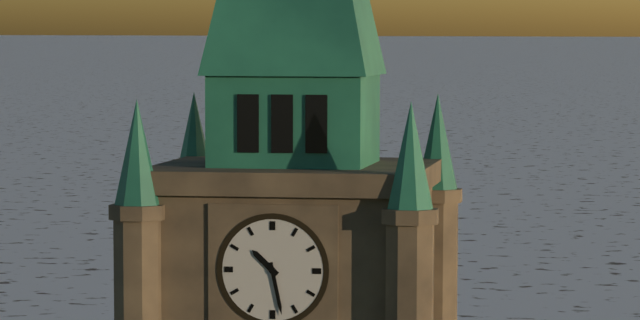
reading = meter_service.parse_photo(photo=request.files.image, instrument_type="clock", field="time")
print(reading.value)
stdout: 10:28
